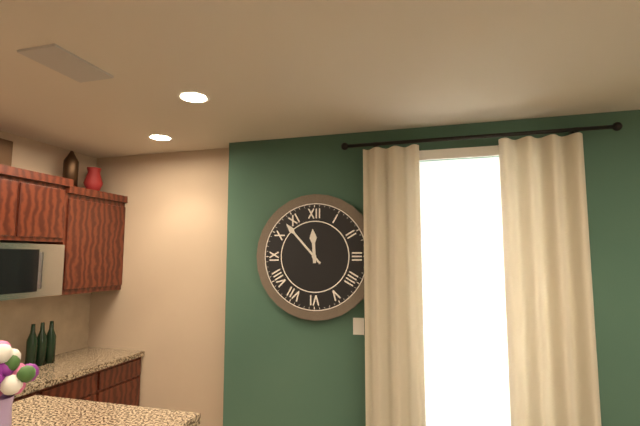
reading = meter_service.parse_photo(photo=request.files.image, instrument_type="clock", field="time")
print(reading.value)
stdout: 11:53
